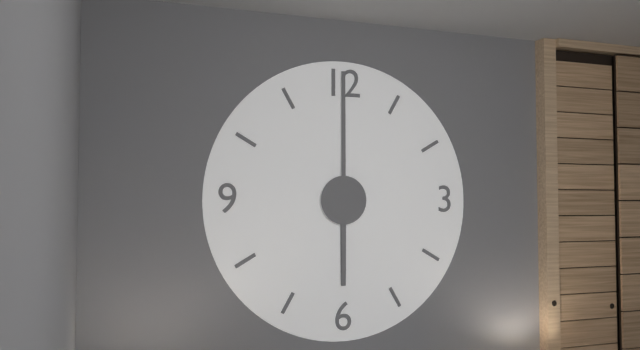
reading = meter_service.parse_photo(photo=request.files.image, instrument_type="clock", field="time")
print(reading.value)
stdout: 6:00
